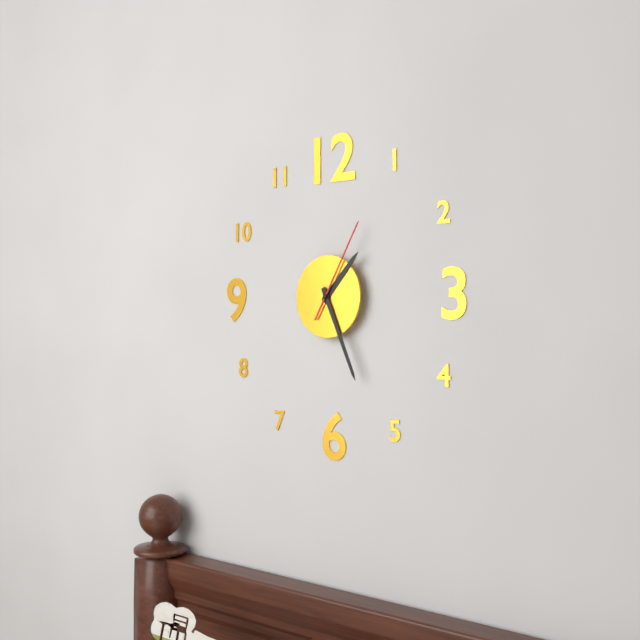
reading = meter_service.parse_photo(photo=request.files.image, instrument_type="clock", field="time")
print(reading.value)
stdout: 1:26:05
